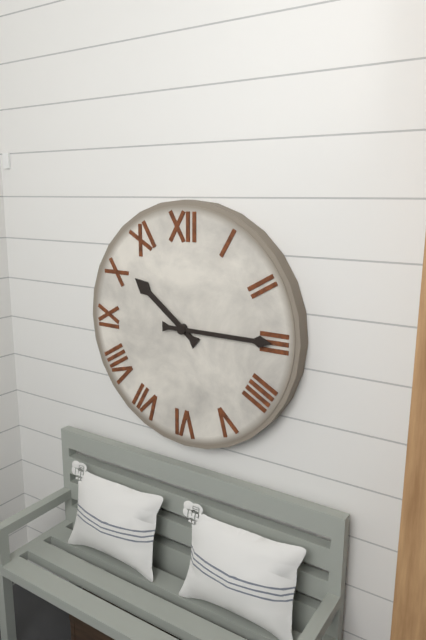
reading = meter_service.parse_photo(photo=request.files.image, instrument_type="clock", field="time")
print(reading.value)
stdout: 10:15
